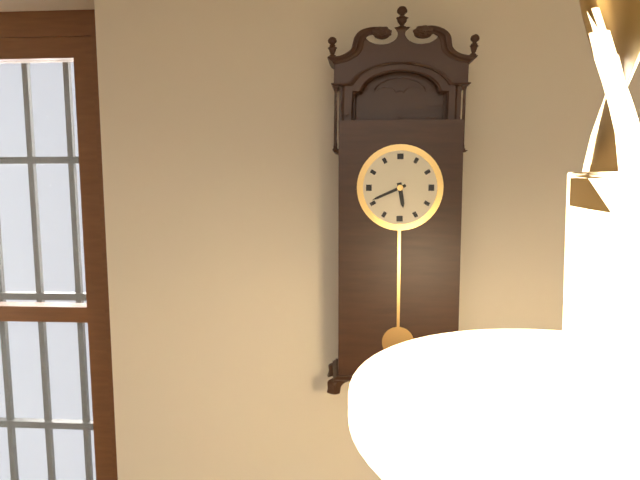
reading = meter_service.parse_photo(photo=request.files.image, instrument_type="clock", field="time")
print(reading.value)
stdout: 5:41
